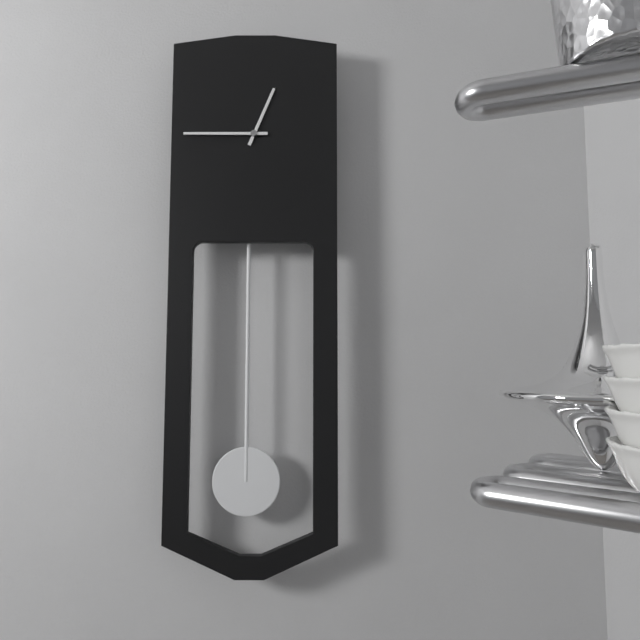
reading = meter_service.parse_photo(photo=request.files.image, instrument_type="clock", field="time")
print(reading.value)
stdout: 12:45
